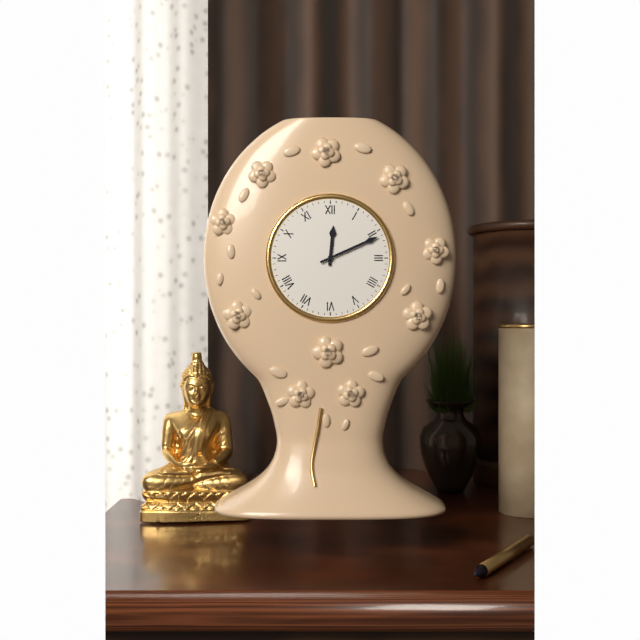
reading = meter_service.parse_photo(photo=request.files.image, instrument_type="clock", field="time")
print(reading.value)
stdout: 12:11
